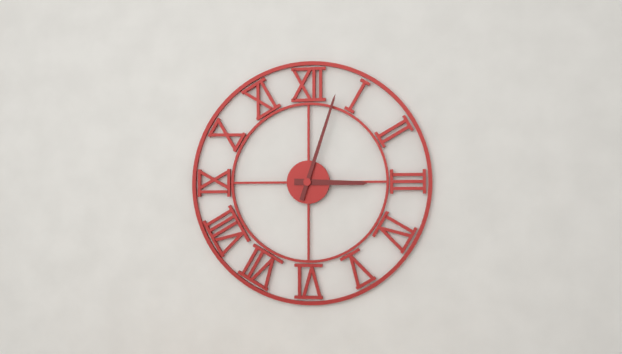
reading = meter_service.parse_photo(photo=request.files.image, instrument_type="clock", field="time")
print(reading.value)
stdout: 3:03
